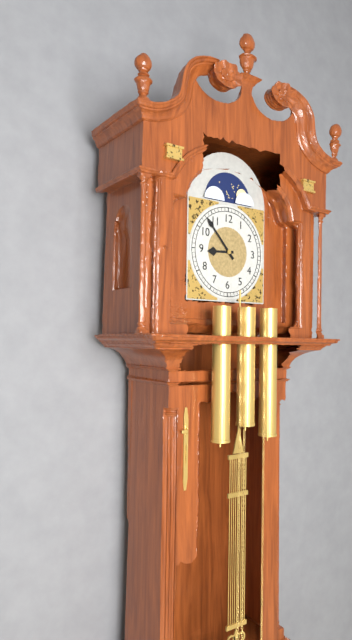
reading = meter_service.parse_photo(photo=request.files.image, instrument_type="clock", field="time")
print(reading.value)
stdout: 8:53
